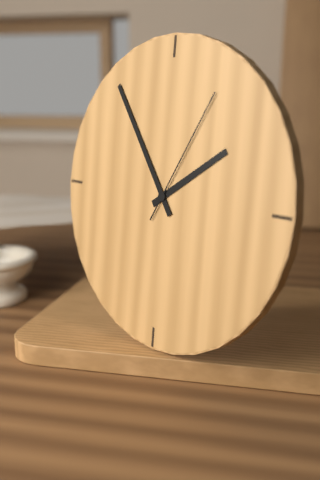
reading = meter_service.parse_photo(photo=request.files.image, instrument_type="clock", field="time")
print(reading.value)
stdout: 1:54:05
